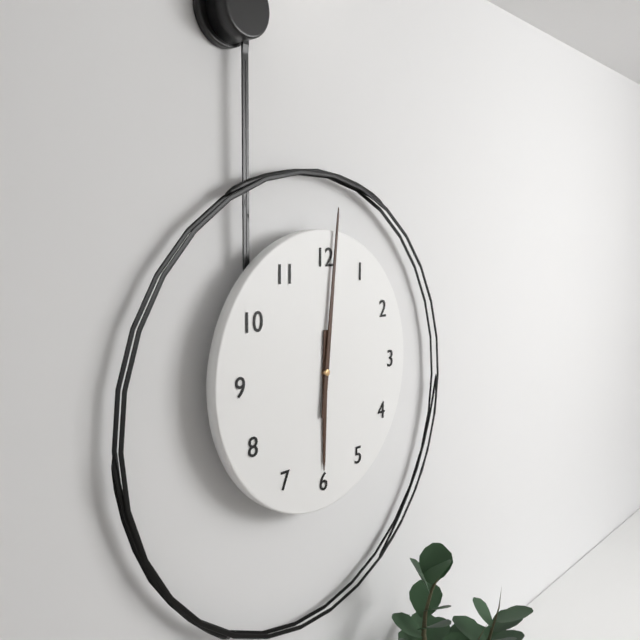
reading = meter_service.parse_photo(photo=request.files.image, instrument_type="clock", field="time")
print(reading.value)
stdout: 6:01
